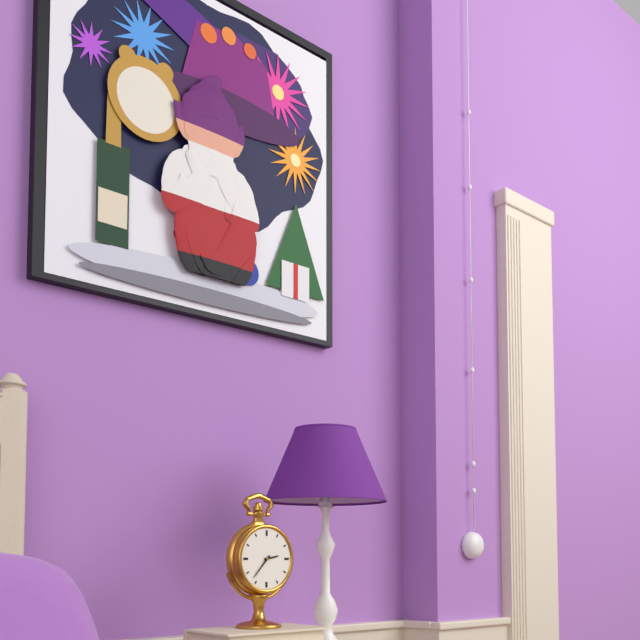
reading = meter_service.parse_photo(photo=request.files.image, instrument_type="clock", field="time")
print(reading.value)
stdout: 2:37
